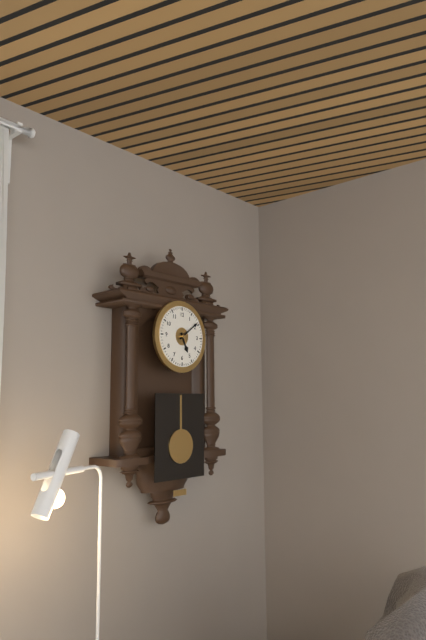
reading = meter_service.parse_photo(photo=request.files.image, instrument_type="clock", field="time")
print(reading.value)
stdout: 5:09
